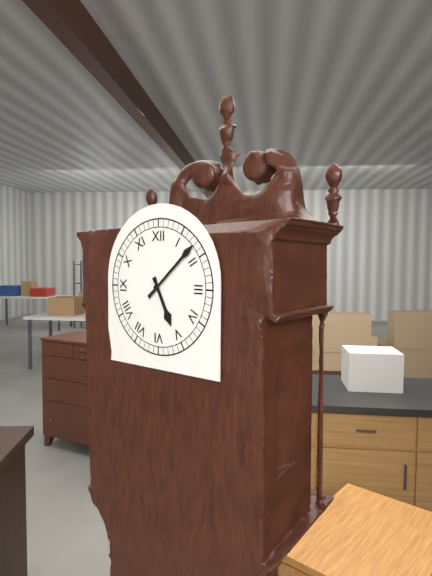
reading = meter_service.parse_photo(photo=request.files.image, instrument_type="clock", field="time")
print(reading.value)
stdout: 5:08
